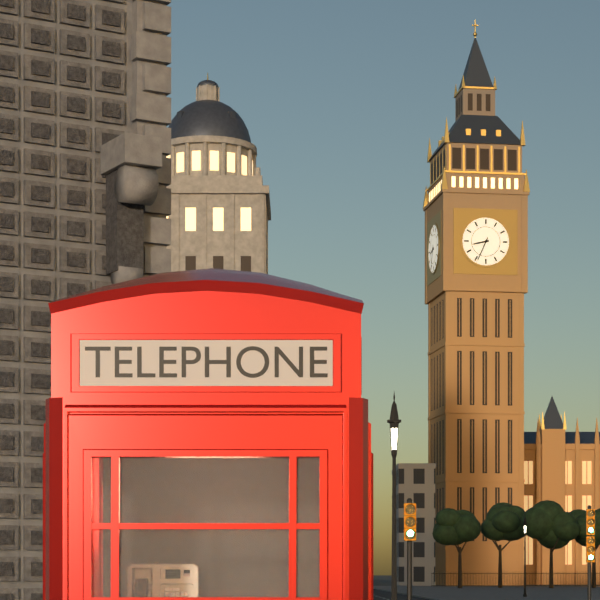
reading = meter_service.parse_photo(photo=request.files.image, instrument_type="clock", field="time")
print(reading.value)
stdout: 8:34
